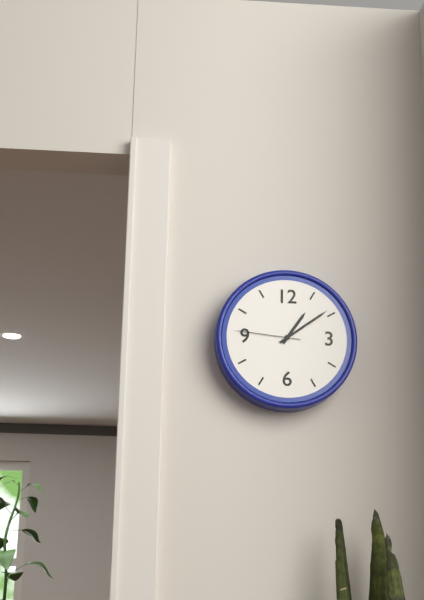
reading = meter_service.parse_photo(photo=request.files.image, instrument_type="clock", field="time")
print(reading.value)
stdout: 1:09:46
